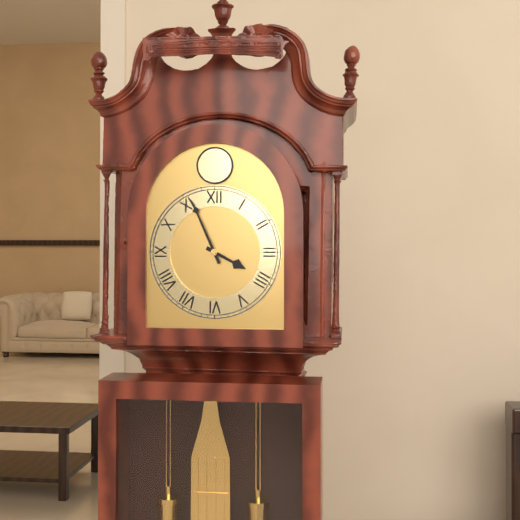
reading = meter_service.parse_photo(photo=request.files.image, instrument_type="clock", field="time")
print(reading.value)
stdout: 3:56
